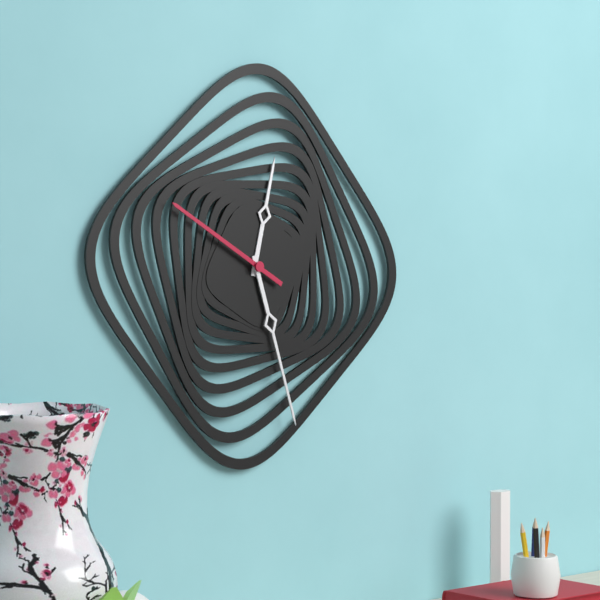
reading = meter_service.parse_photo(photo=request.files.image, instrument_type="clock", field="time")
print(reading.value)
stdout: 12:27:50
